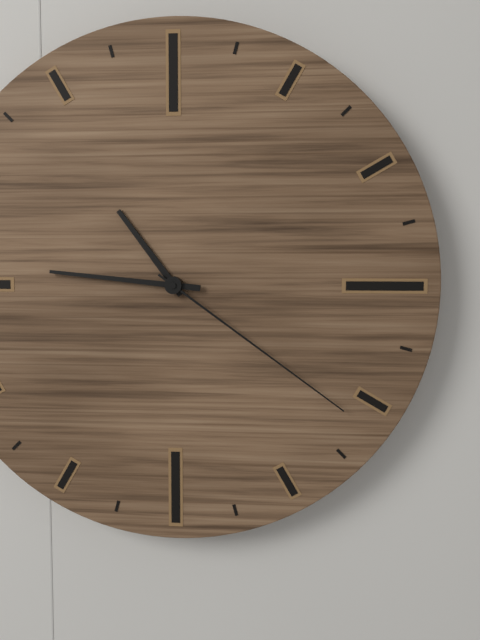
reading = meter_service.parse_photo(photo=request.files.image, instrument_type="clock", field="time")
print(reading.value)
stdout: 10:46:21
